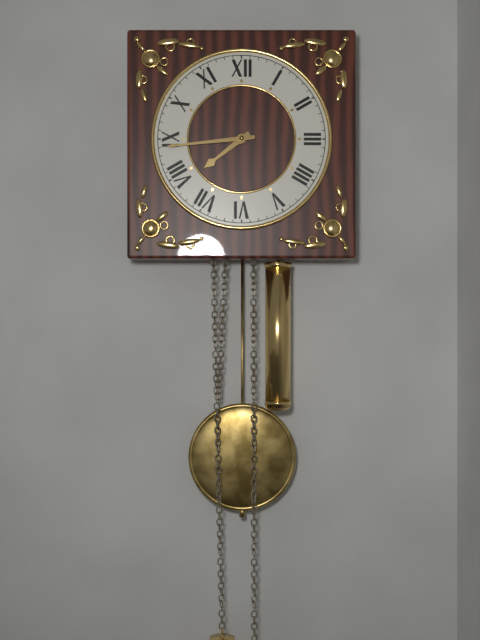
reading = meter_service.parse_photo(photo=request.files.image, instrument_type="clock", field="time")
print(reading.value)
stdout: 7:44
